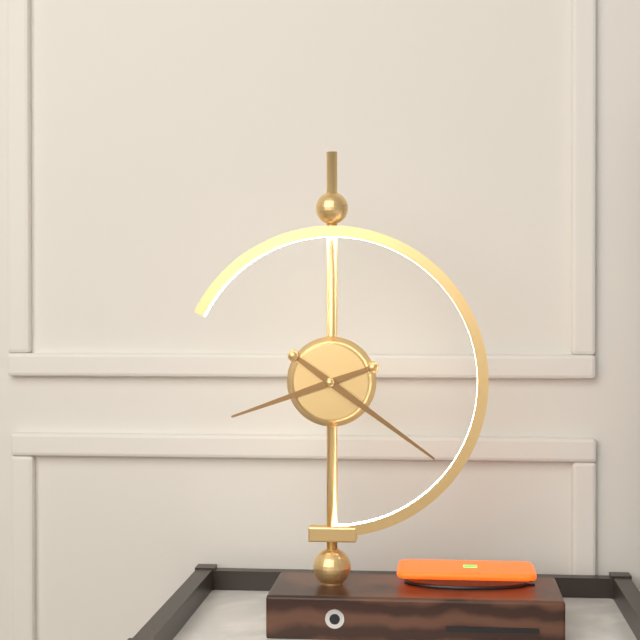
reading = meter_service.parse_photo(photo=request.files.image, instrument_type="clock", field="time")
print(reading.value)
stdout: 8:21
